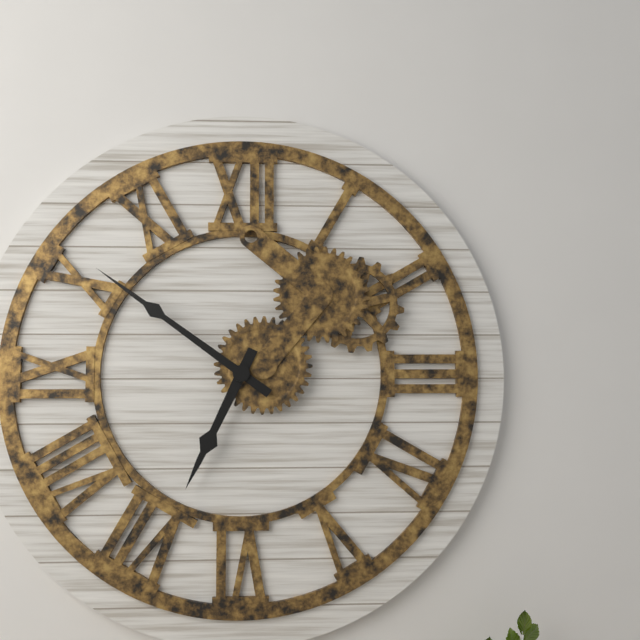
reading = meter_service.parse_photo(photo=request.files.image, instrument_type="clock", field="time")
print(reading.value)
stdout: 6:51
